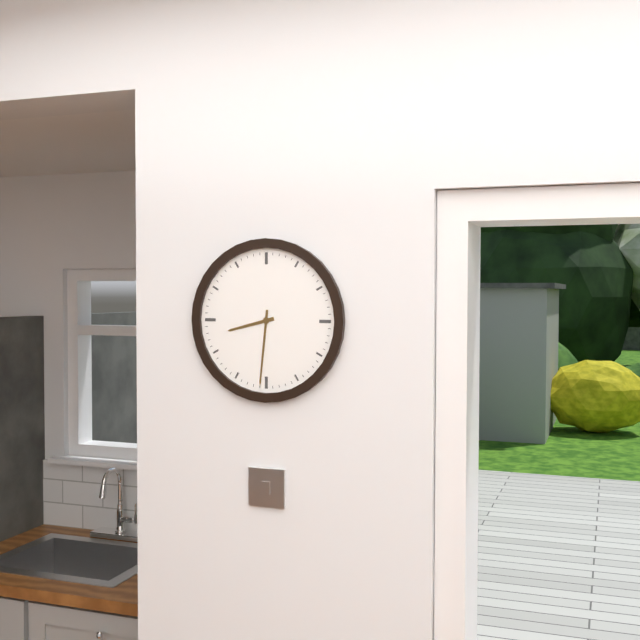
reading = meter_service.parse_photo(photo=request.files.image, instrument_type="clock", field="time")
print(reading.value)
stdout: 8:31
